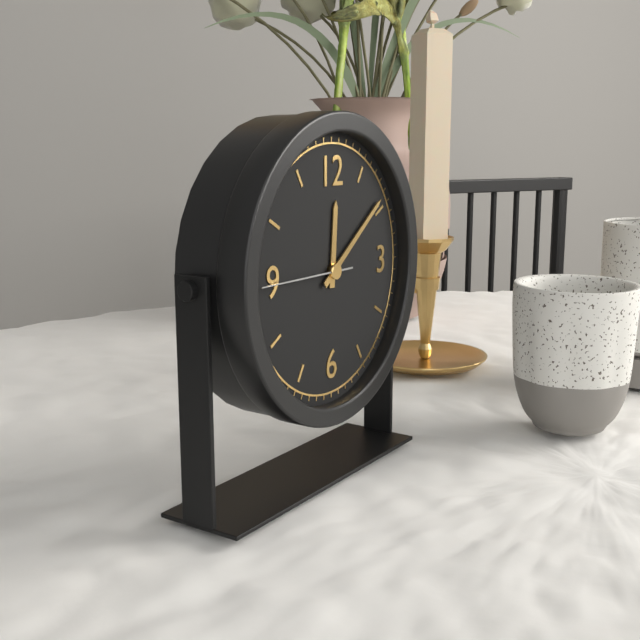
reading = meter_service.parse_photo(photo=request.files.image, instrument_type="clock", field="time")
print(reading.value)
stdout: 12:09:45
